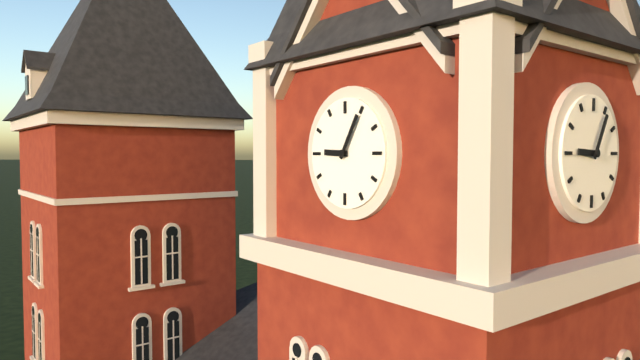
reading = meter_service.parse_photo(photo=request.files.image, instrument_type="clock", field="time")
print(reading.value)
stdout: 9:05
